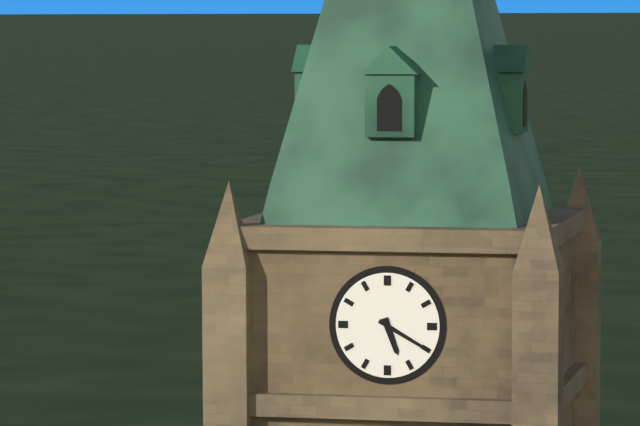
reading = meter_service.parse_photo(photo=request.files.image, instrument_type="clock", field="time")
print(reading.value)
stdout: 5:20
